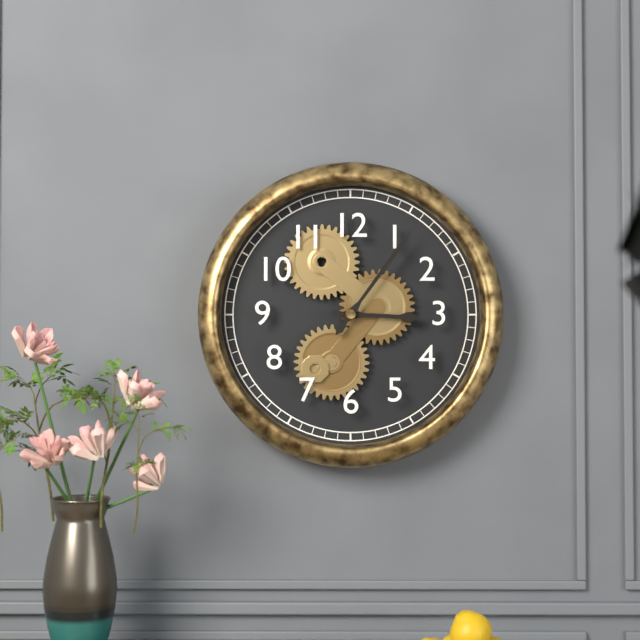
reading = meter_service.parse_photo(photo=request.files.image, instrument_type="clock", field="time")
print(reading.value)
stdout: 3:06
